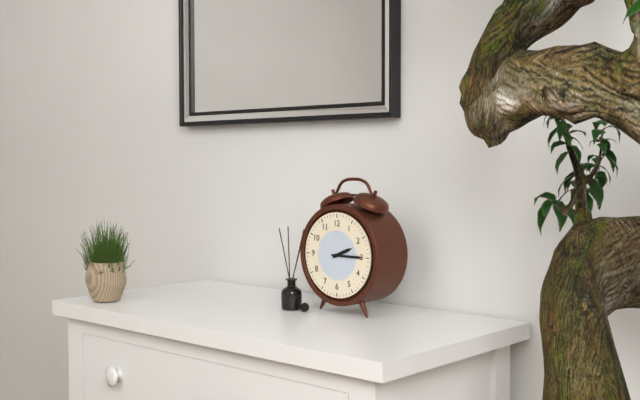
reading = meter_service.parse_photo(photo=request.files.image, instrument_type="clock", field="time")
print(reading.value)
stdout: 2:15
